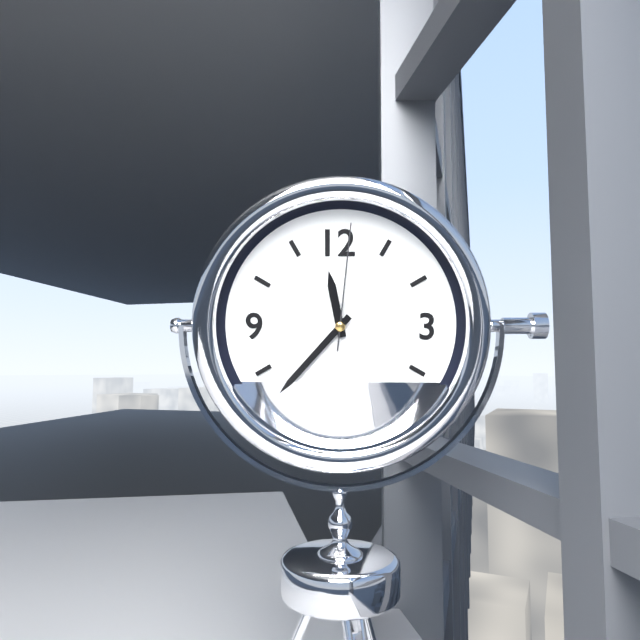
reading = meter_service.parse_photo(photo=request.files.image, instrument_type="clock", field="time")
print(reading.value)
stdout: 11:37:01
